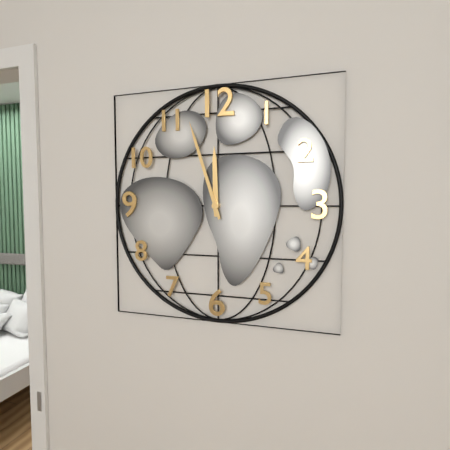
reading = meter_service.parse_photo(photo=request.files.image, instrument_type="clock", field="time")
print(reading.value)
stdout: 11:57
